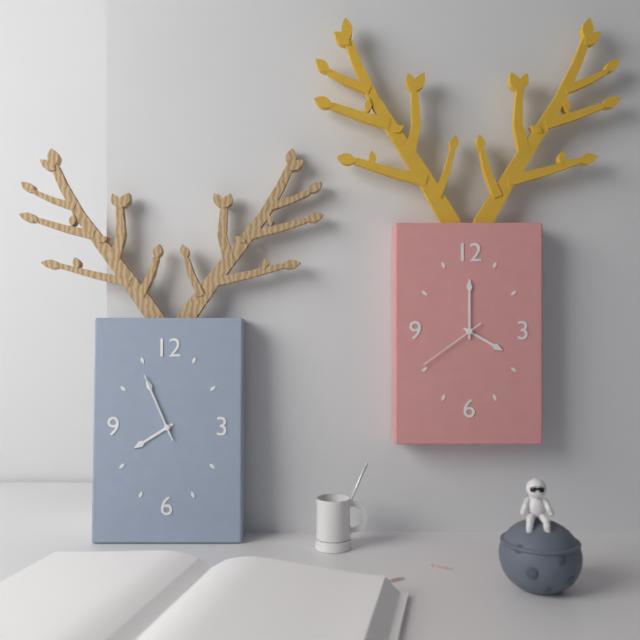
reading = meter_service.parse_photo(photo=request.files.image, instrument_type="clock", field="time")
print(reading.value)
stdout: 7:56:56
